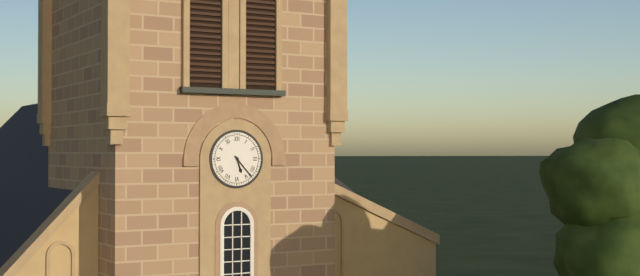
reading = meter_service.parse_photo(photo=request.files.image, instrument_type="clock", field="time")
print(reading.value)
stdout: 5:23
